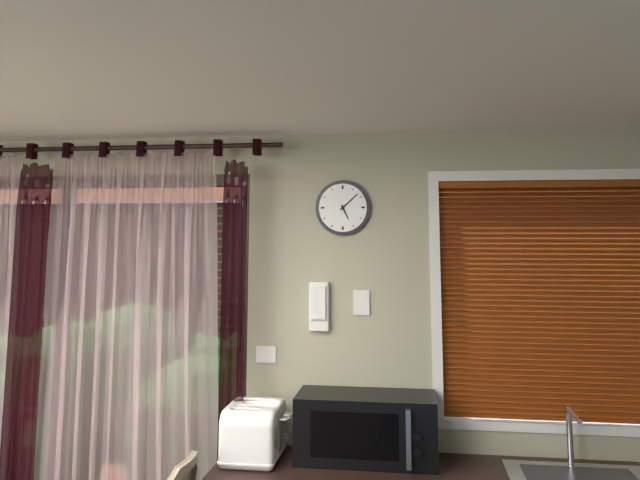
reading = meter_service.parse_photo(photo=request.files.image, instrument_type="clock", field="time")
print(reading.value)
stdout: 5:08
